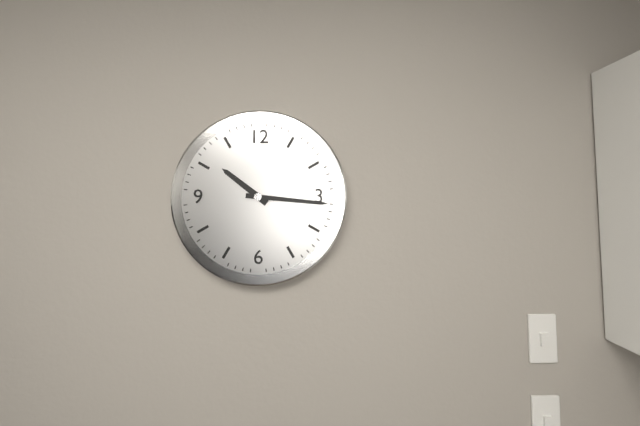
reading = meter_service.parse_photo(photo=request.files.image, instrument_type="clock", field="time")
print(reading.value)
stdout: 10:16
